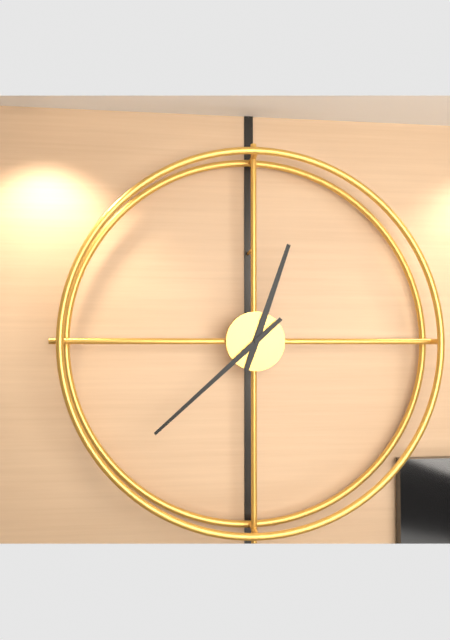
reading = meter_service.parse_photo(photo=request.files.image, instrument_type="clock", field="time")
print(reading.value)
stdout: 12:38
